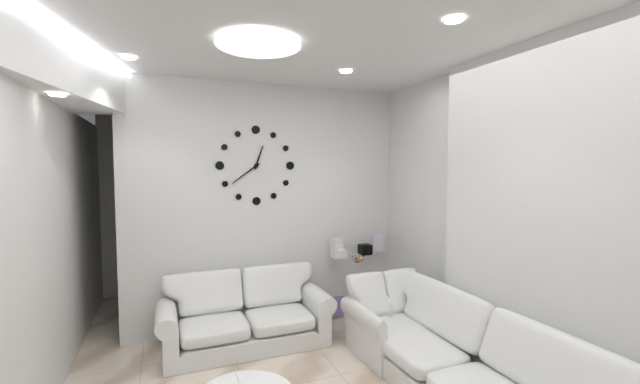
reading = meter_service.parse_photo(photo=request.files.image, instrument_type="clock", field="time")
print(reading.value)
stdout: 12:39
